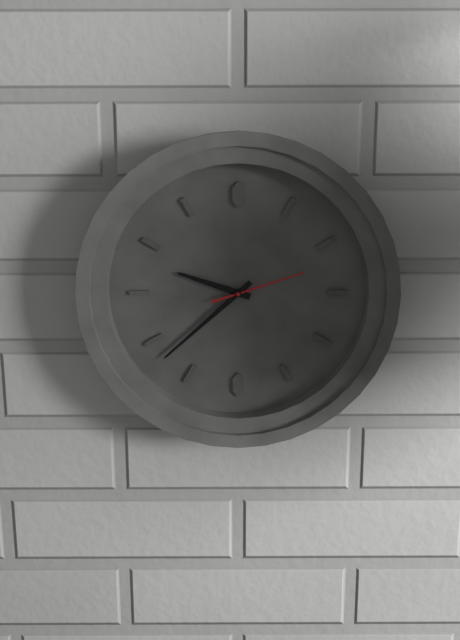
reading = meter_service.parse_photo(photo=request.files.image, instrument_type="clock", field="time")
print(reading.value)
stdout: 9:38:12
